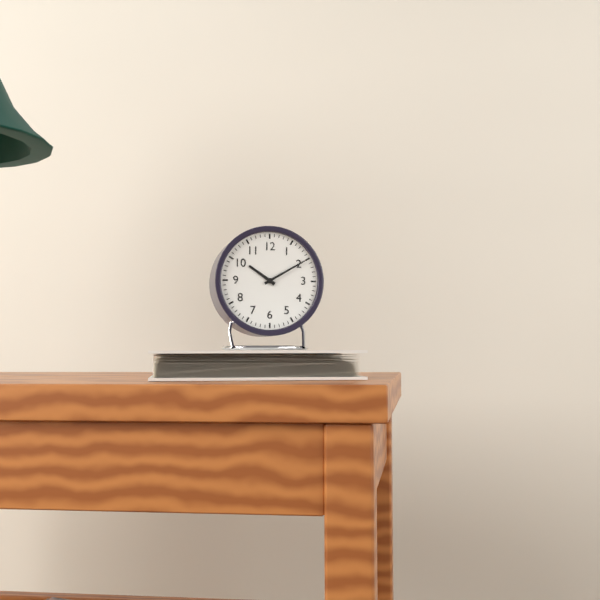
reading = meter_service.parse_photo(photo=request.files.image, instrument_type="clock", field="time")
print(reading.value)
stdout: 10:10
